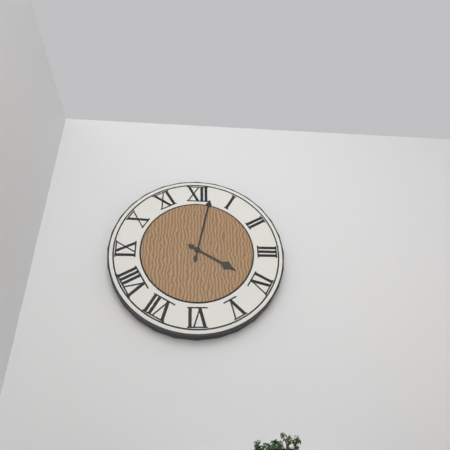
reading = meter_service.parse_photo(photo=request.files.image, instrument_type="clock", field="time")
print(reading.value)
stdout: 4:02
